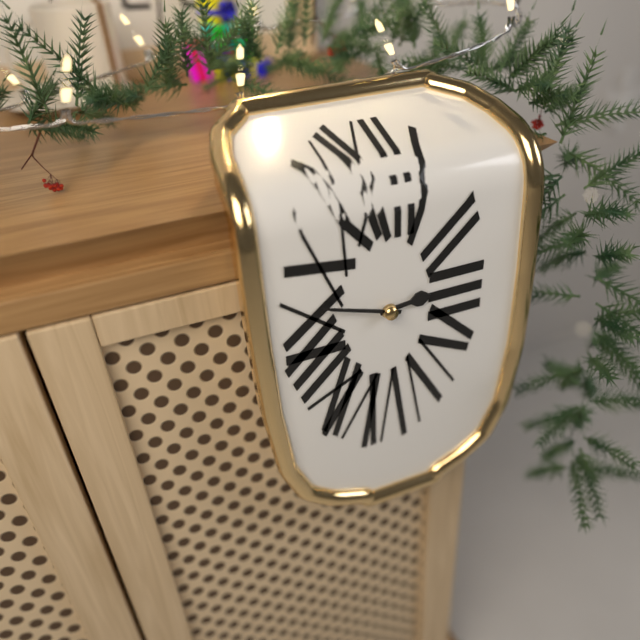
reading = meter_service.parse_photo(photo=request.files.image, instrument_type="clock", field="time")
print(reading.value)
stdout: 2:48
